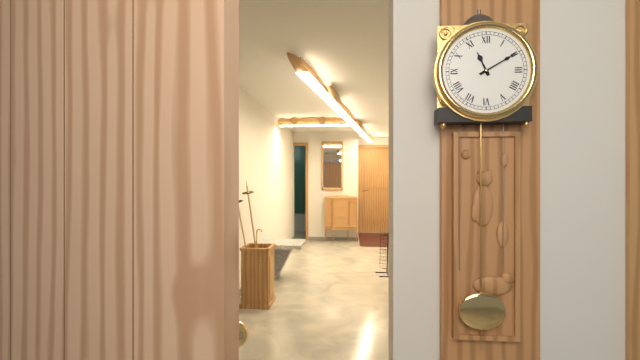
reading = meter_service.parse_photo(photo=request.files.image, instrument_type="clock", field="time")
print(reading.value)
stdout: 11:10
